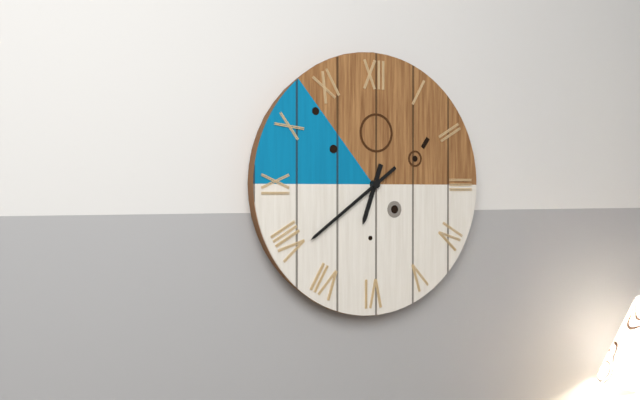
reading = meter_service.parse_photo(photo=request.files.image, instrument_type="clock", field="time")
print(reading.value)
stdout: 6:39
